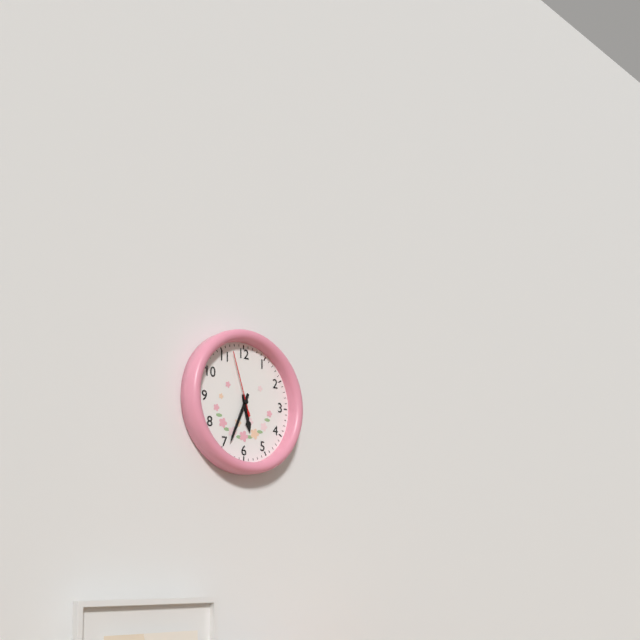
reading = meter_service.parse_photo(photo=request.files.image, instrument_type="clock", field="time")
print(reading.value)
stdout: 5:34:57
